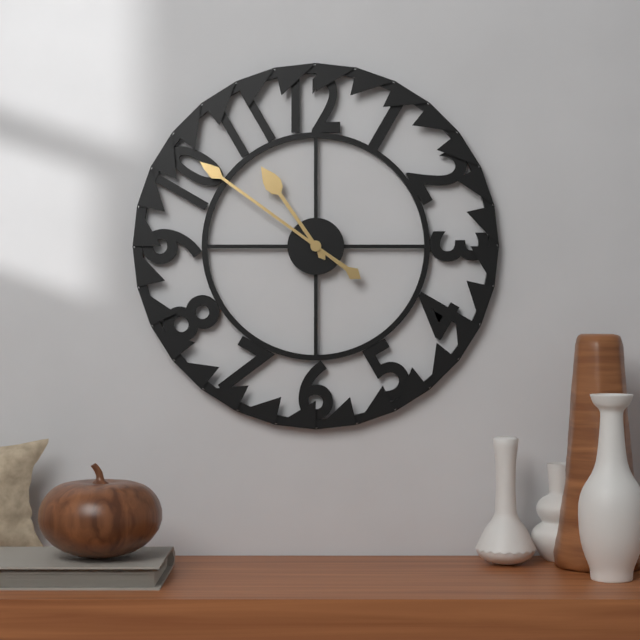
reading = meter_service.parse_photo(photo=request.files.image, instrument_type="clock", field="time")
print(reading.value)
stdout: 10:51
